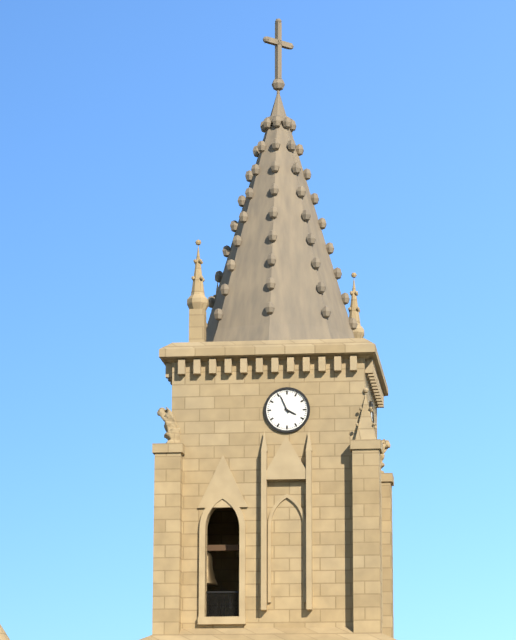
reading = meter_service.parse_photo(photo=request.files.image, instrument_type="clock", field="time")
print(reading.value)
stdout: 3:56
